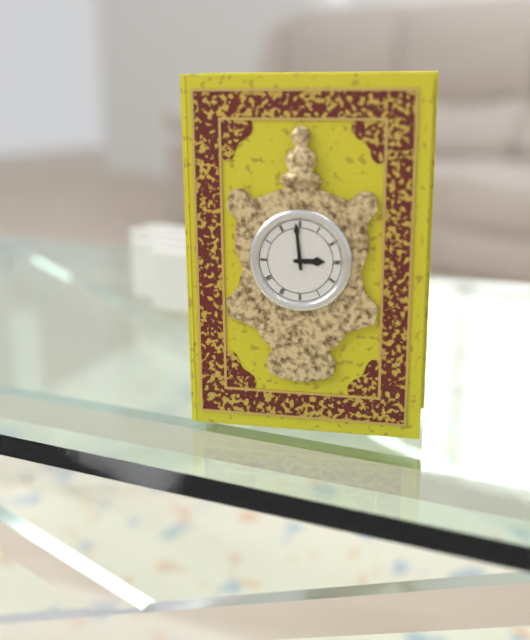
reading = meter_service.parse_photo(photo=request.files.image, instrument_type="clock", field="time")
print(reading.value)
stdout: 2:59
